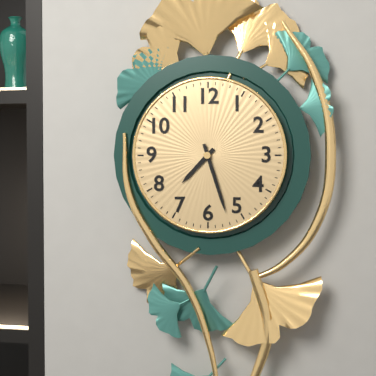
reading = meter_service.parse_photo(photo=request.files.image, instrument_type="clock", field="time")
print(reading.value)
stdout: 7:27
